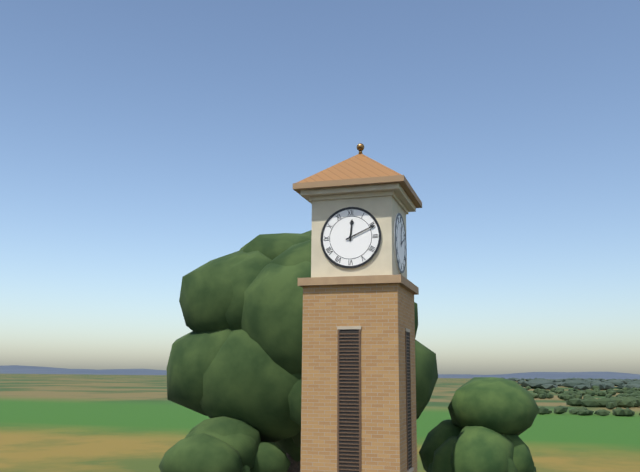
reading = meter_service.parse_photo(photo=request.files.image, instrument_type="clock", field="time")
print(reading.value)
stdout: 12:11
